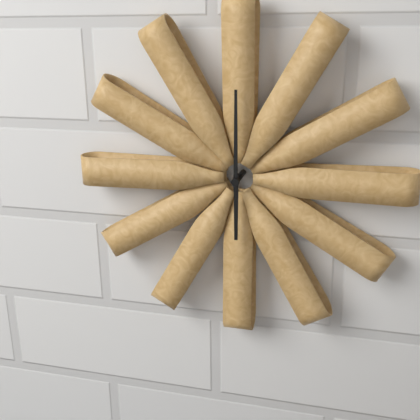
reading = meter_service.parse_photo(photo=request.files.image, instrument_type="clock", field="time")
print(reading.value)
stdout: 6:00
